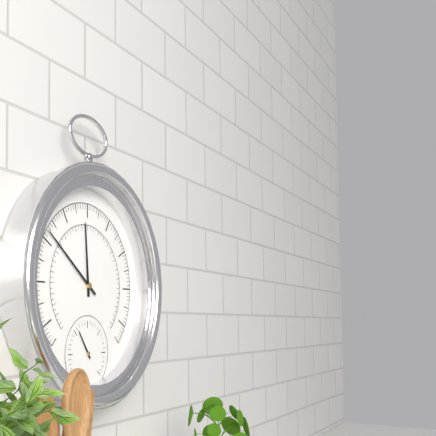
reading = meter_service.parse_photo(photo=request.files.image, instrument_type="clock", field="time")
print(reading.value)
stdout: 11:51
